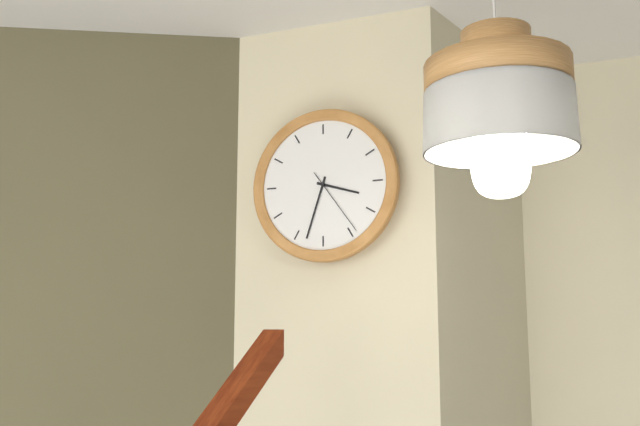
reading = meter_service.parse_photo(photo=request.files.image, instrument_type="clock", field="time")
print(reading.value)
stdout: 3:33:24
